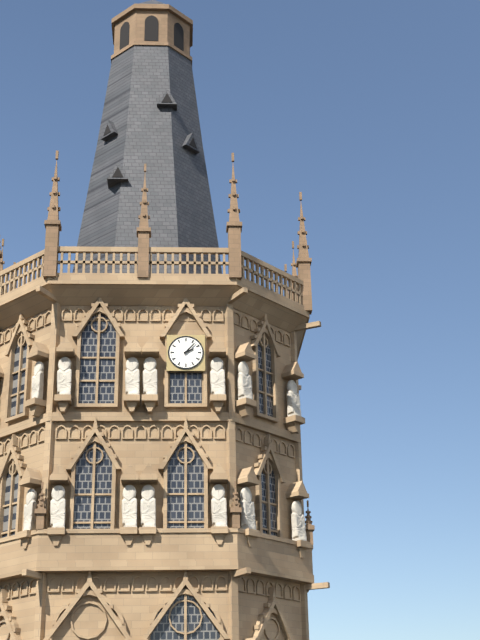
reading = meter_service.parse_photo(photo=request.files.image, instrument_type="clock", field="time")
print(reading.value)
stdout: 2:07
